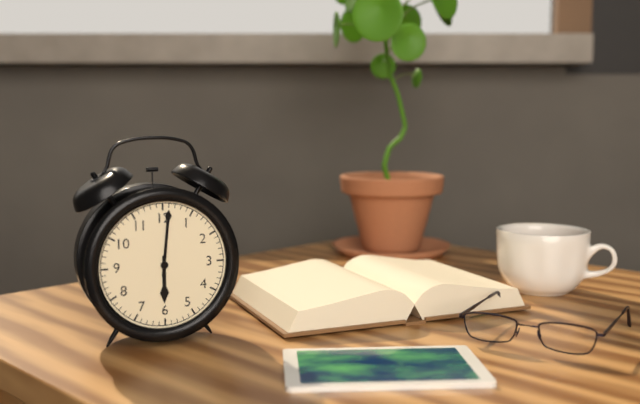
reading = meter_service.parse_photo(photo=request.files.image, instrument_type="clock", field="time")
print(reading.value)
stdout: 6:01
